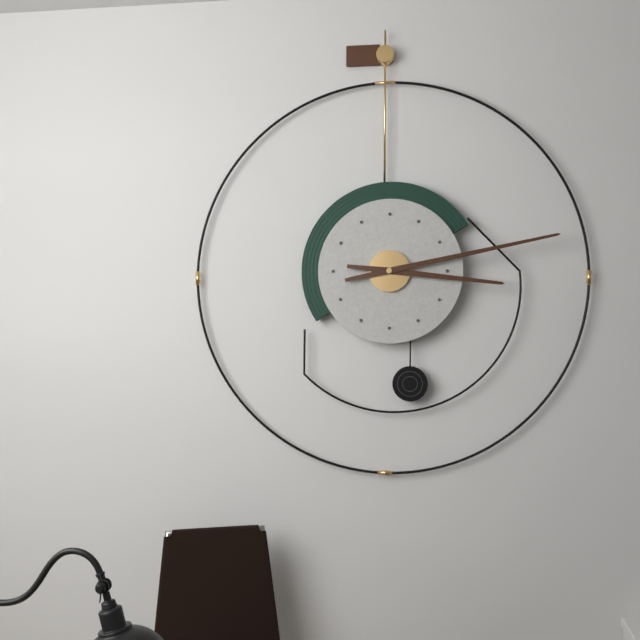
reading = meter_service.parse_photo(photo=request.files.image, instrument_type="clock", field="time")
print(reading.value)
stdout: 3:13
